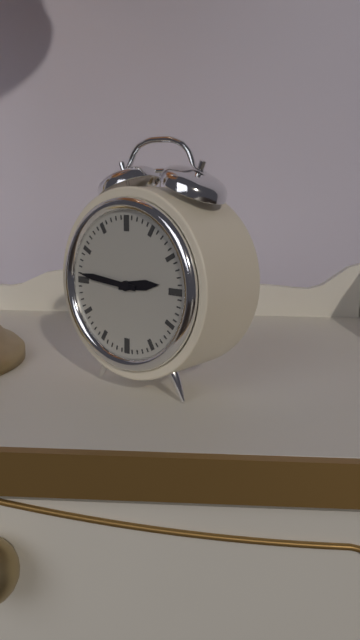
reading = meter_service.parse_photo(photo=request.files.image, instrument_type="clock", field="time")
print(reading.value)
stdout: 2:46
